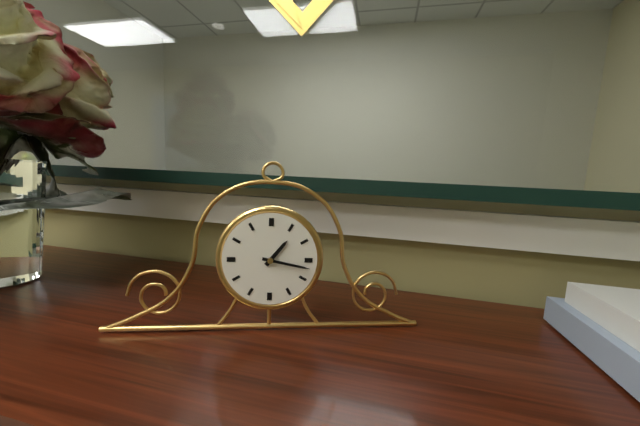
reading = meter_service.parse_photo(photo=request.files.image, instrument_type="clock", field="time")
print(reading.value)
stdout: 1:17
